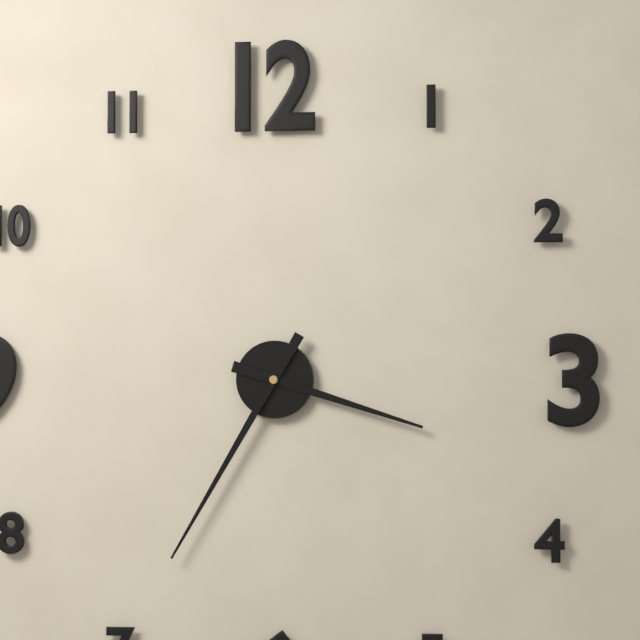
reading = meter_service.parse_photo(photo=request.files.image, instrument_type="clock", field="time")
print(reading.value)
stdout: 3:35
